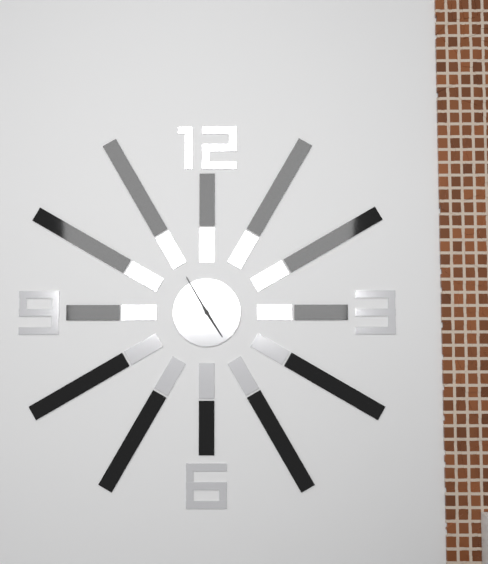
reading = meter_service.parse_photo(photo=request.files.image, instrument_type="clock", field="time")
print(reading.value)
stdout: 4:55
